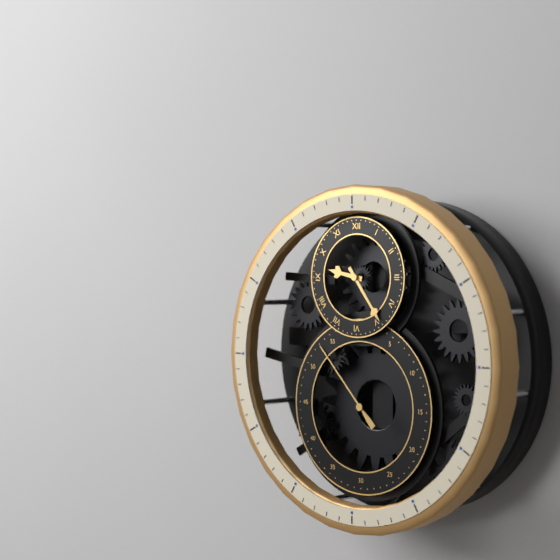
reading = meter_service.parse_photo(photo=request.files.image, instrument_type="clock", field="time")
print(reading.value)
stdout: 9:24:53
